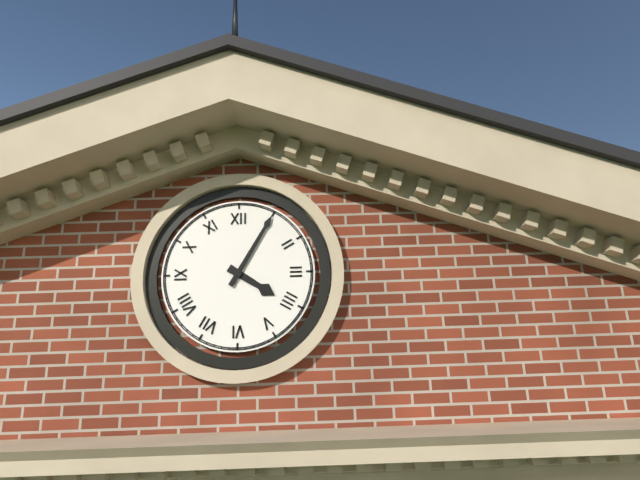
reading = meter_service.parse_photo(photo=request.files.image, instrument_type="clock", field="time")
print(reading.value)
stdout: 4:05
